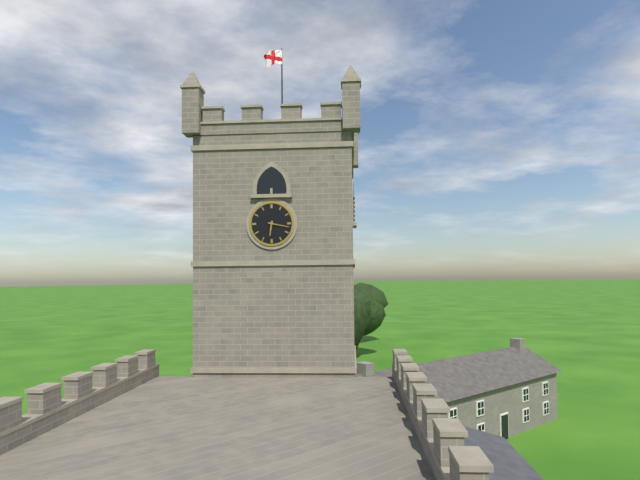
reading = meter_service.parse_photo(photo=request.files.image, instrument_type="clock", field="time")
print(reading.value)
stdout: 6:17
